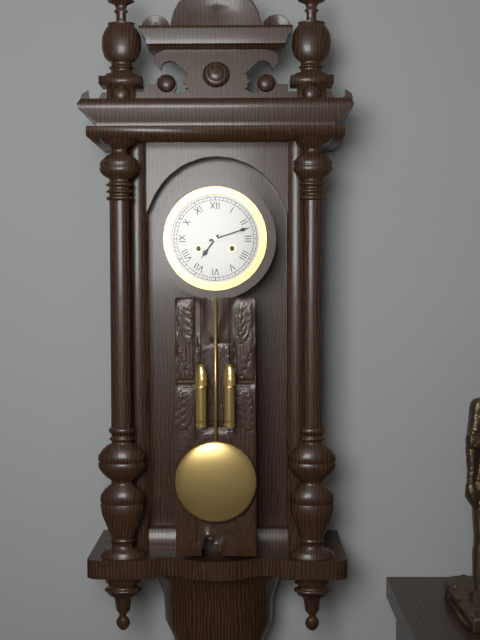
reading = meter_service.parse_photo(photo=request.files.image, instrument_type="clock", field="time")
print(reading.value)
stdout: 7:12
